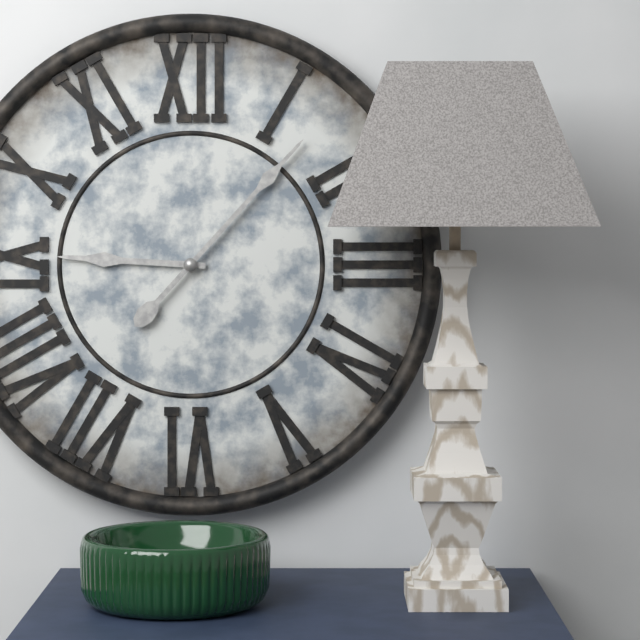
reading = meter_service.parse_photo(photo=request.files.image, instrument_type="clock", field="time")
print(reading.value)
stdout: 9:07
